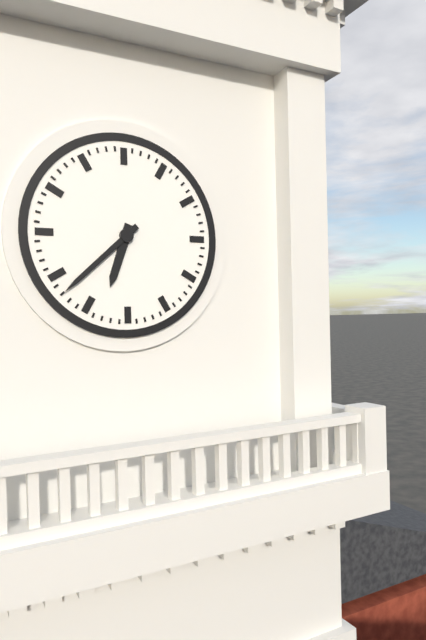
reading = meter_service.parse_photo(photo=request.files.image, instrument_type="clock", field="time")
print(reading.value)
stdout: 6:38
